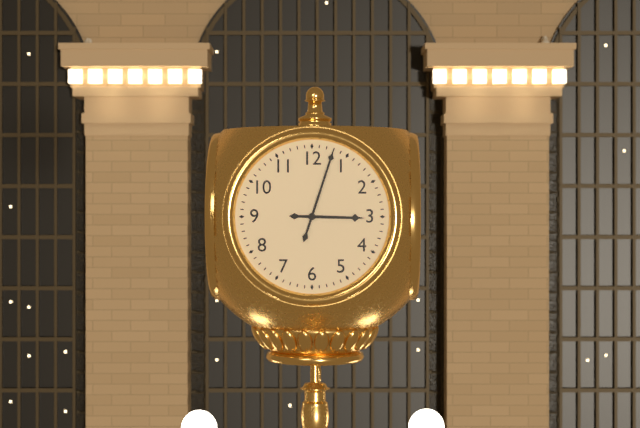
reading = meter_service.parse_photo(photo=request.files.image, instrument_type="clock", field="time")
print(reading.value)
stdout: 3:03
